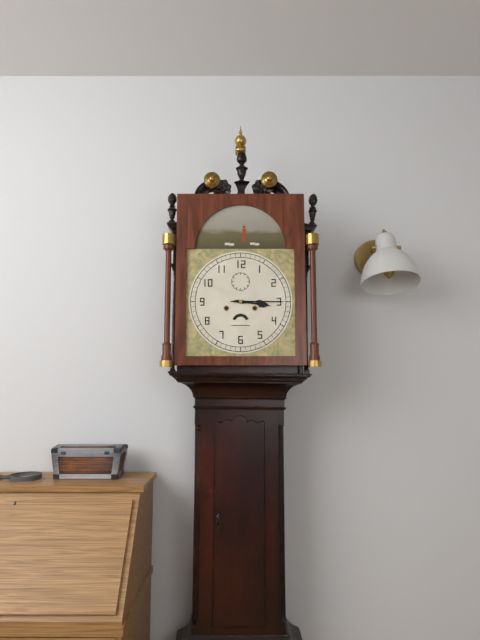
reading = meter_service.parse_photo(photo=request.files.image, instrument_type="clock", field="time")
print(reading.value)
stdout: 3:15
